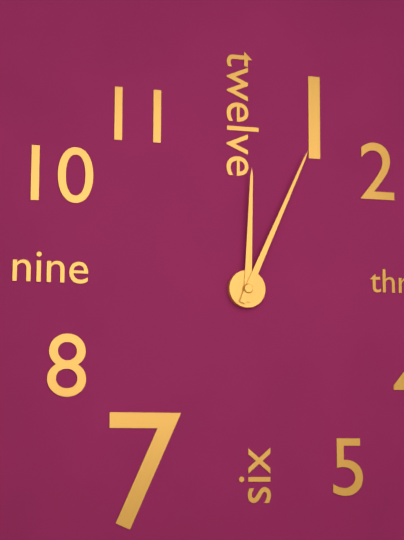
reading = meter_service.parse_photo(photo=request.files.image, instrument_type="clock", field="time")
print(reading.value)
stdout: 12:04
